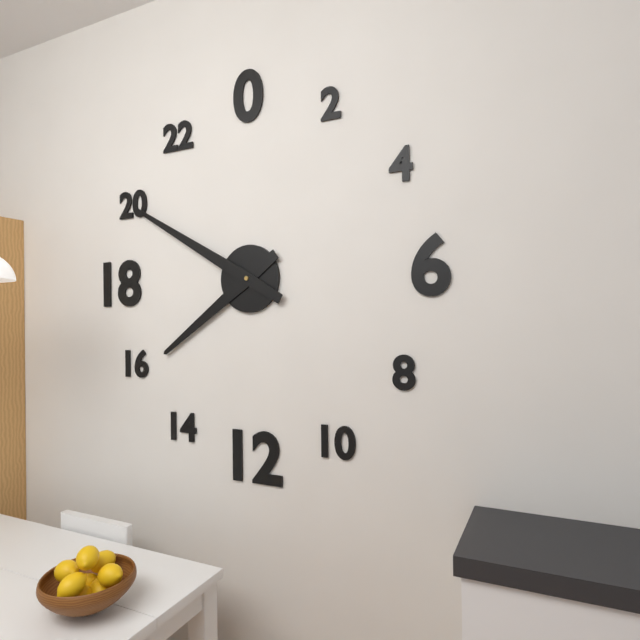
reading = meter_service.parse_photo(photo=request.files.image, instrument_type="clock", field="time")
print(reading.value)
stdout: 7:50
